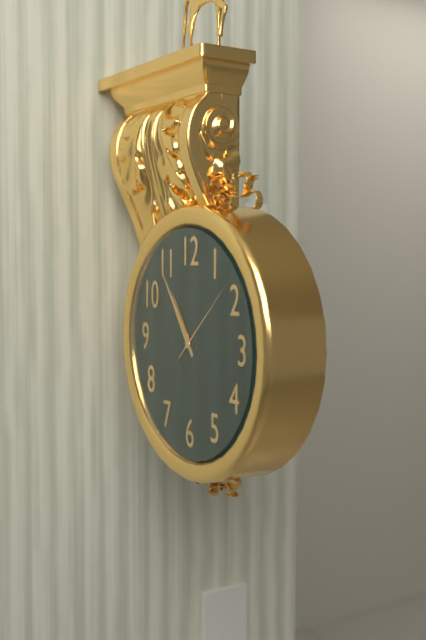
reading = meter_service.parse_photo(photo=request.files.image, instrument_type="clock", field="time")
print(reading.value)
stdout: 10:54:08
